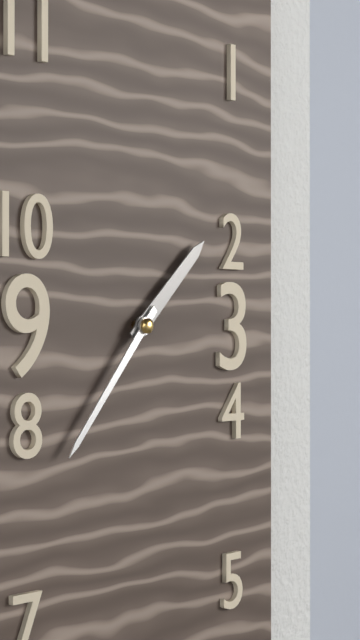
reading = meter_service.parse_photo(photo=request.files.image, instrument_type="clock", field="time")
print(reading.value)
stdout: 1:37
